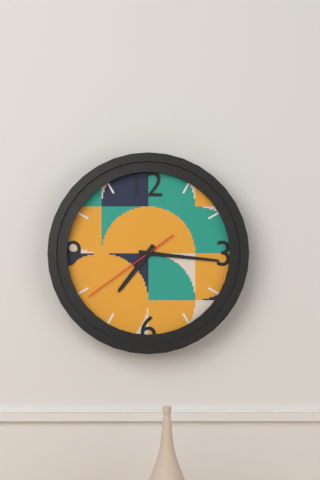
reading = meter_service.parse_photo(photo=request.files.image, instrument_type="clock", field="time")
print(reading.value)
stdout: 7:16:39
